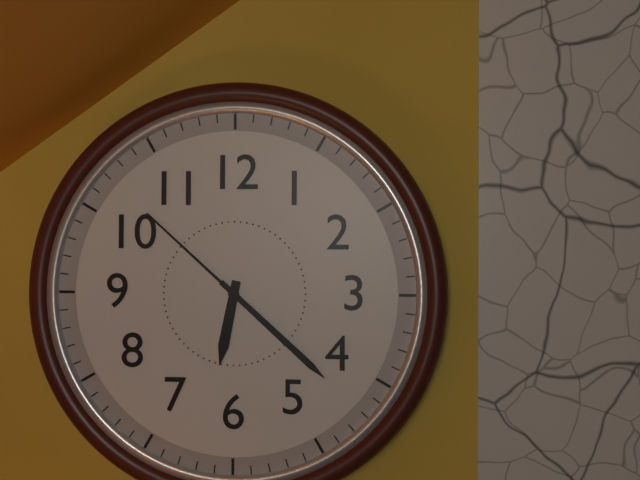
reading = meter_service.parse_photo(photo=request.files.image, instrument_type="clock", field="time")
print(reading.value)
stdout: 6:22:52
